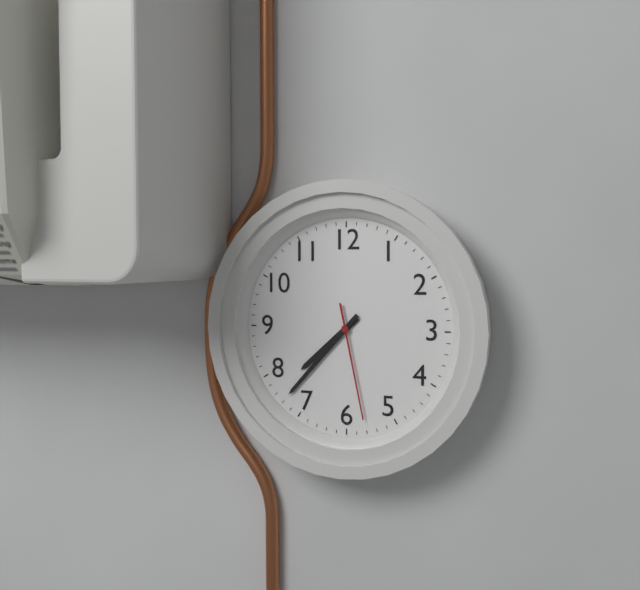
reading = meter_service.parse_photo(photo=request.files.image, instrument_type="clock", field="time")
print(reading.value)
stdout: 7:37:28
